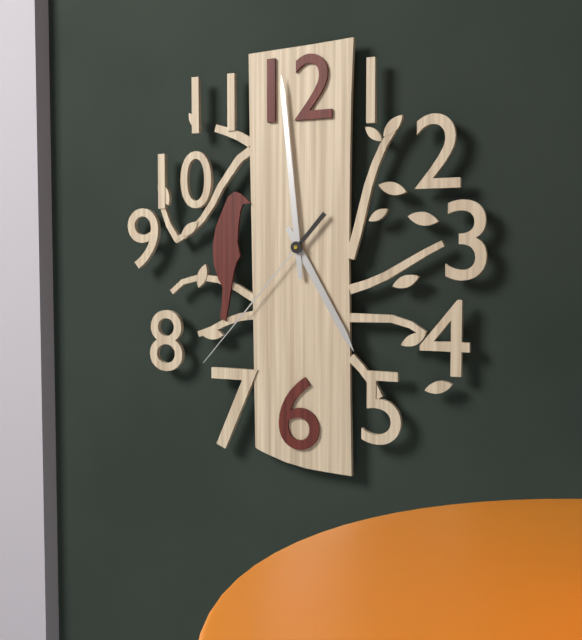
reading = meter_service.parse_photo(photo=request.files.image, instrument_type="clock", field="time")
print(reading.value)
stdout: 4:59:37
